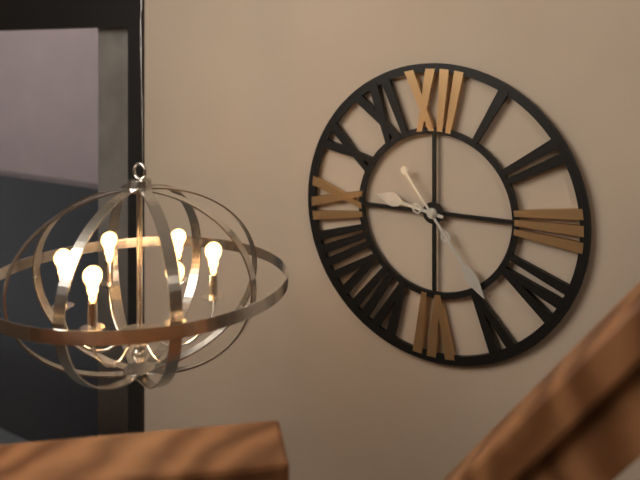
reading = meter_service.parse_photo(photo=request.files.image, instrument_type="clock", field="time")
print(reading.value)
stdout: 9:24
